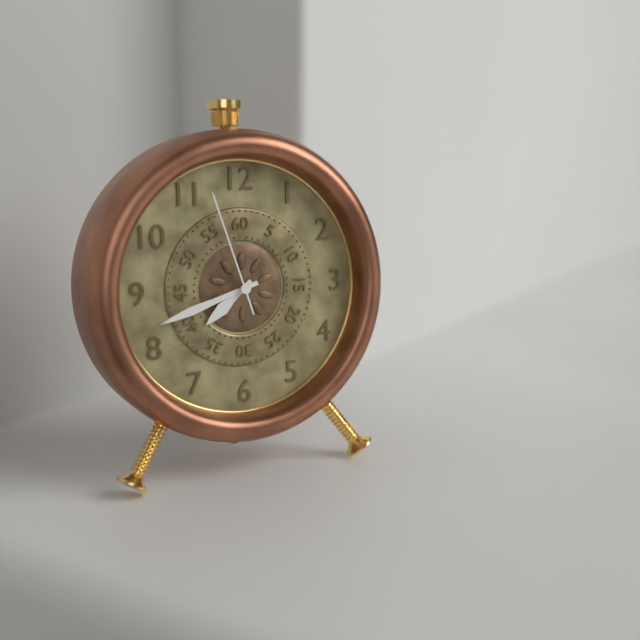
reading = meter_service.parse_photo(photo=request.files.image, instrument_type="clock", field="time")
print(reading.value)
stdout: 7:42:57
